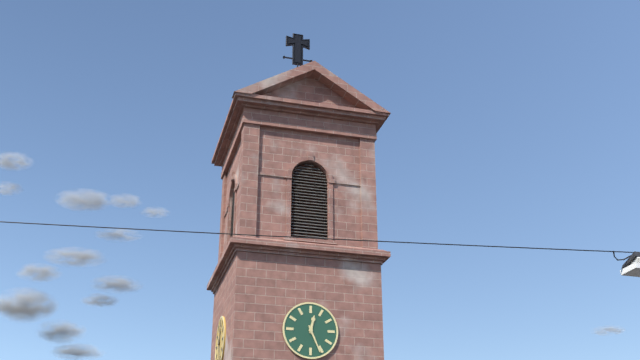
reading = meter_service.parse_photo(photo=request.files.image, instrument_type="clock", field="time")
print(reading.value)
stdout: 12:26
